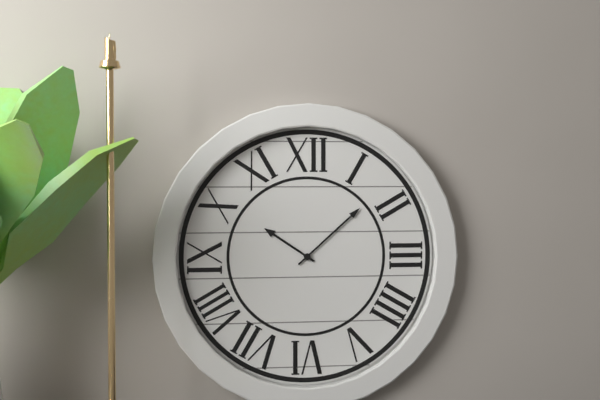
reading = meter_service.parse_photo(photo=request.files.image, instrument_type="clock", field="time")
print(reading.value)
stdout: 10:08
